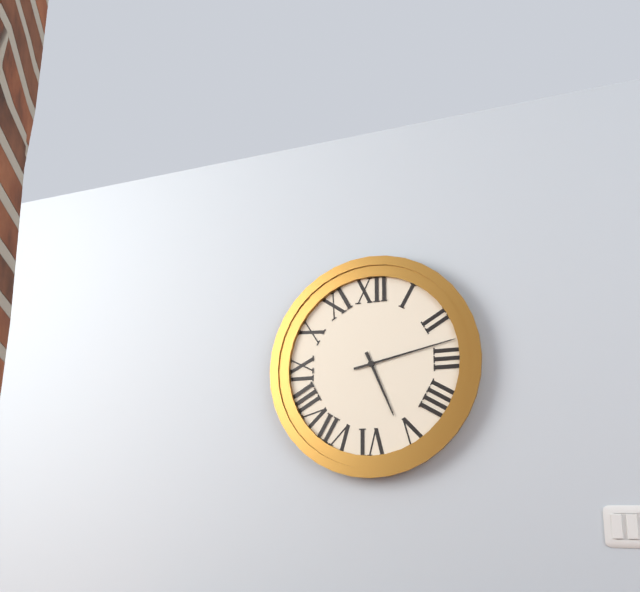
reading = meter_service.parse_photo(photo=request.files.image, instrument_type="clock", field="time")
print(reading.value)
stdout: 5:13
